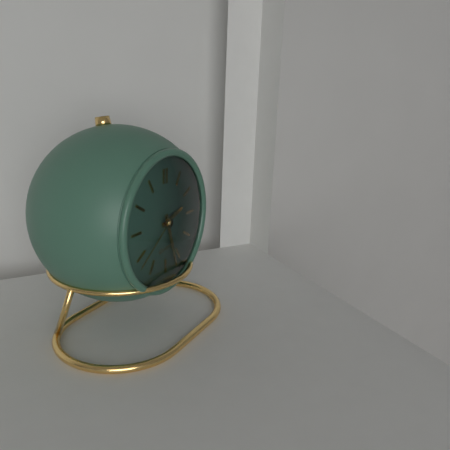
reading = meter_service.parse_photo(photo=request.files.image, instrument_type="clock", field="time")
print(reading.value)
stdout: 2:27:39
